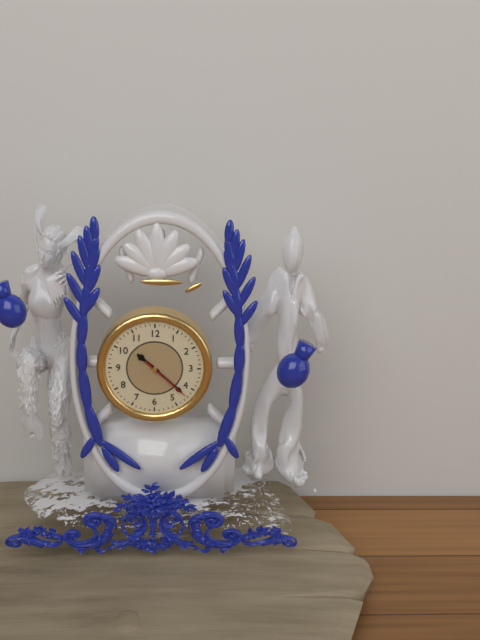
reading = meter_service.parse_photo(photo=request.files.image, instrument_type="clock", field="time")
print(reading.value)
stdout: 10:22:22
